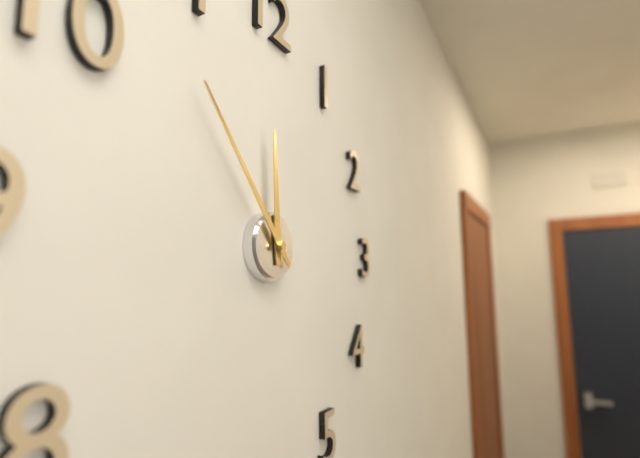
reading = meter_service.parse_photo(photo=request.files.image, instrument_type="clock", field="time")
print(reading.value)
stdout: 11:53
